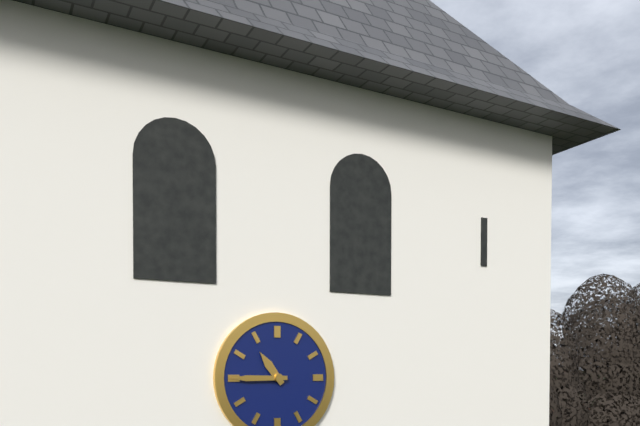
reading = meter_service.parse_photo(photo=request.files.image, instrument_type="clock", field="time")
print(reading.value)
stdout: 10:45
